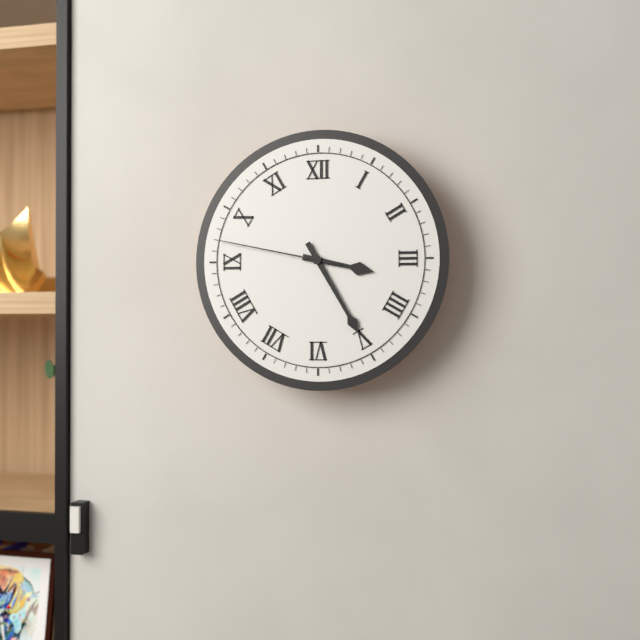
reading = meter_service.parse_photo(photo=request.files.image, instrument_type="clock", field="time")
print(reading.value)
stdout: 3:25:47
